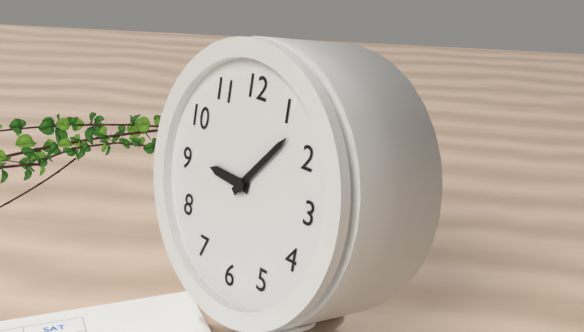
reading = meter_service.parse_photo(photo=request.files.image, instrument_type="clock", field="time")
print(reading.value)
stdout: 9:07
